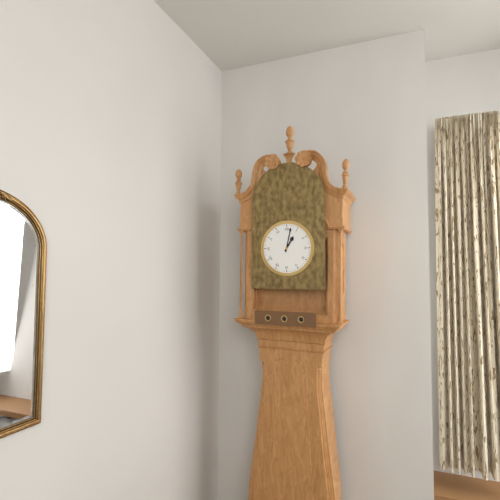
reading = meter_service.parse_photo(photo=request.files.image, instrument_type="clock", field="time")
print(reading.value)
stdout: 1:02
